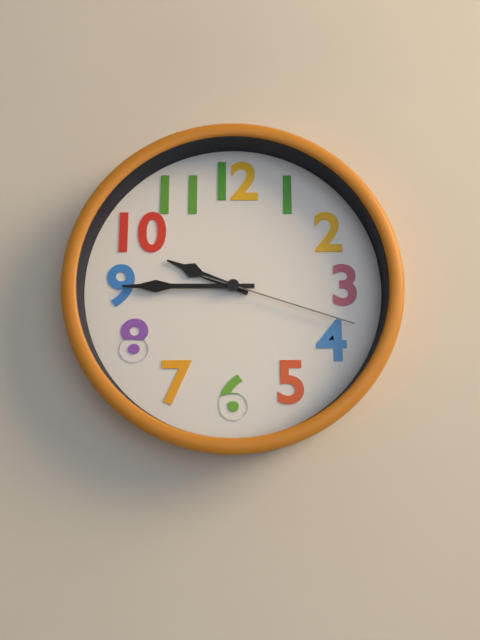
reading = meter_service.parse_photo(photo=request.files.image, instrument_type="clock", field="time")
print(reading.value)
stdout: 9:45:18
